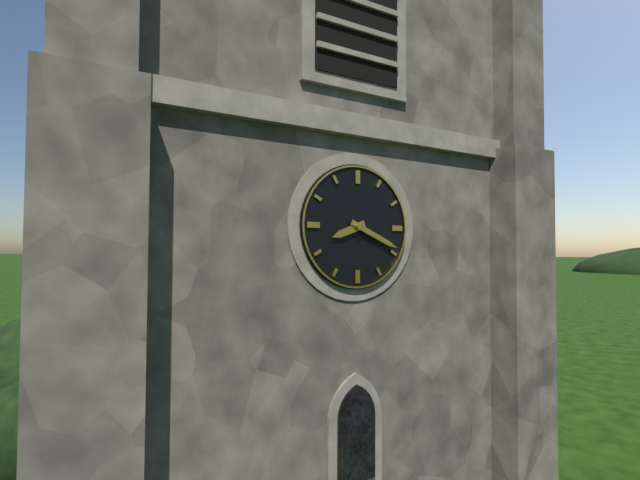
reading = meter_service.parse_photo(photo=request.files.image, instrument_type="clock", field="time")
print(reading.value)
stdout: 8:19
